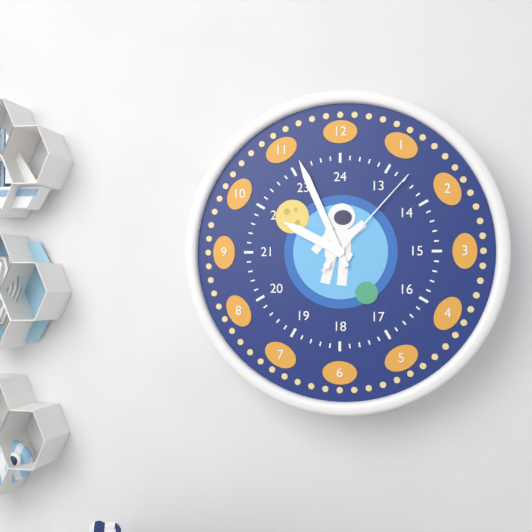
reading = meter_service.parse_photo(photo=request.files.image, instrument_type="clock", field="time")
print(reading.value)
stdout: 9:56:07
